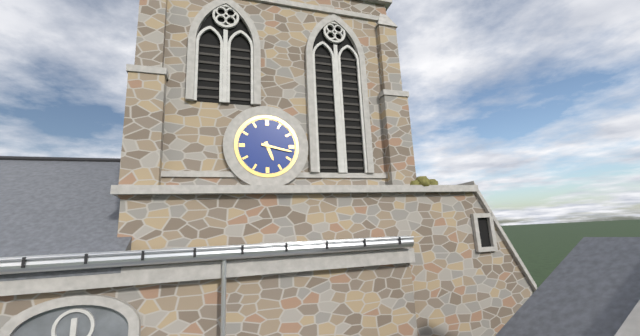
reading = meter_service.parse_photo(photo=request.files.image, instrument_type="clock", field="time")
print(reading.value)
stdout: 5:17
